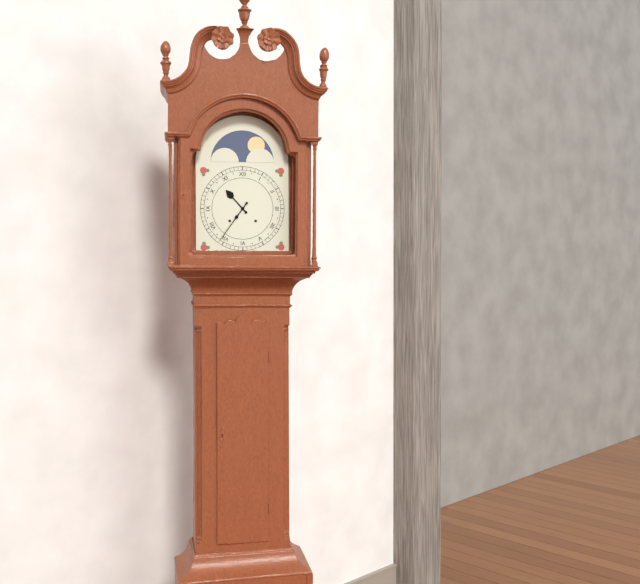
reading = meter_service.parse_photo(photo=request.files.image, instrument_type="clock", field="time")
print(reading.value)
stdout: 10:36
